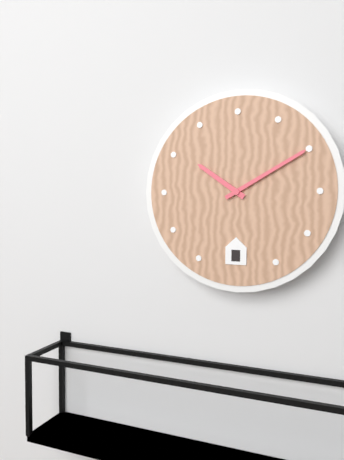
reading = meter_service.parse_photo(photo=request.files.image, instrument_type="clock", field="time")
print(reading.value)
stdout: 10:10
